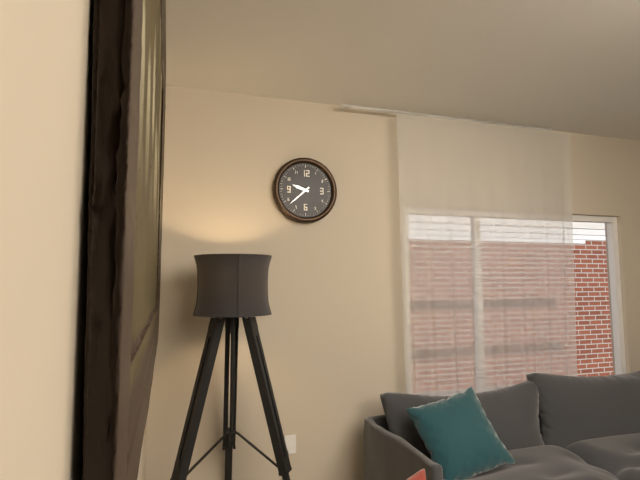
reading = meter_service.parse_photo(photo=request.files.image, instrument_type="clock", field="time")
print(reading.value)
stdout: 9:38
